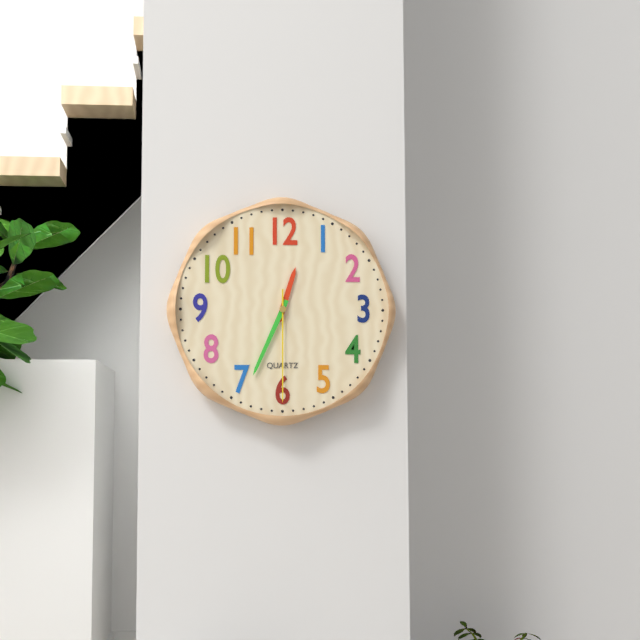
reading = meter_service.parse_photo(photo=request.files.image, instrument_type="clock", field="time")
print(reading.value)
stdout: 12:34:30
